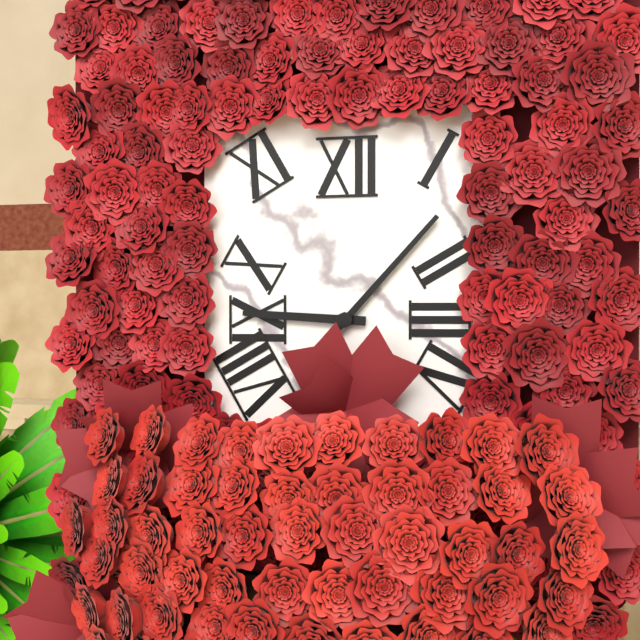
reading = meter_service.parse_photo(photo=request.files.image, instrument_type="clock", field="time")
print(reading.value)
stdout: 9:07
